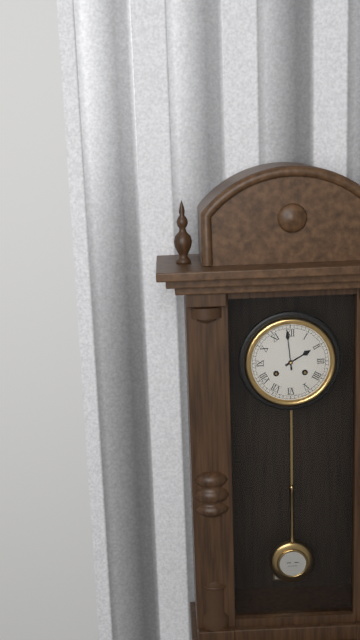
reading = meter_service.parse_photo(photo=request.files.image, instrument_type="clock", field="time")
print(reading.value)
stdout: 1:59
